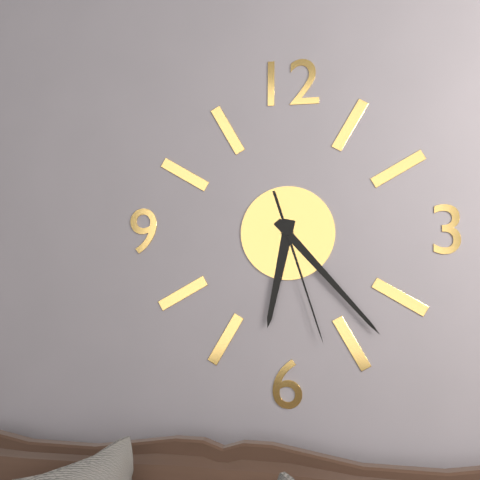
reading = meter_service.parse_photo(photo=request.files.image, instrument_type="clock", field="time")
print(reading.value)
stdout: 6:23:27
